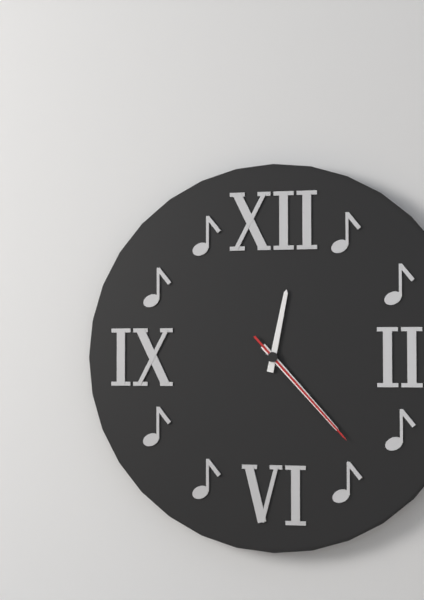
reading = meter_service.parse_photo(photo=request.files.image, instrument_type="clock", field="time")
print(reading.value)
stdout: 12:23:23
